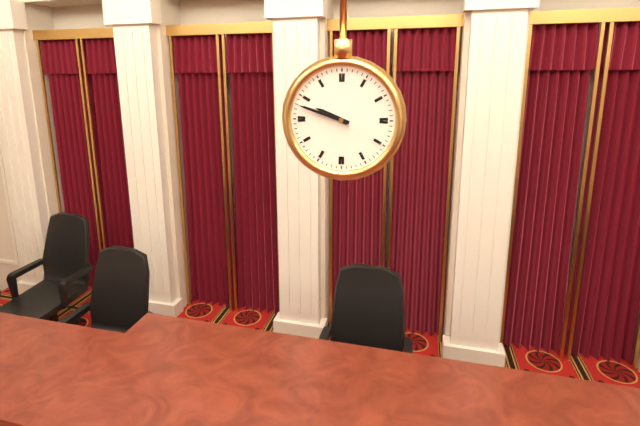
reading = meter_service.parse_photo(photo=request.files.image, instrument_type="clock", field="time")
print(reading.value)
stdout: 9:48
